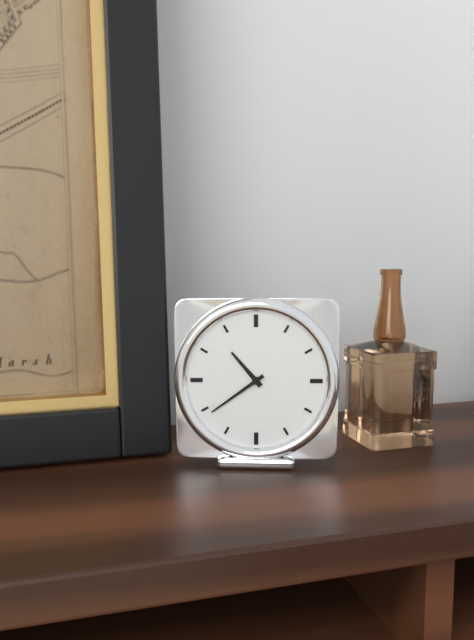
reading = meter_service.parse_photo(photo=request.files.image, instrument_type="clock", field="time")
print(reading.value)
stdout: 10:39
